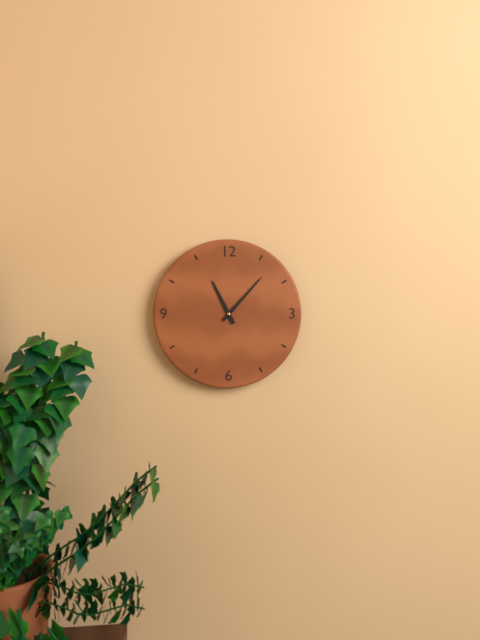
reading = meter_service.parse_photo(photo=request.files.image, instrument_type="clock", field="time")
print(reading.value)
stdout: 11:07
